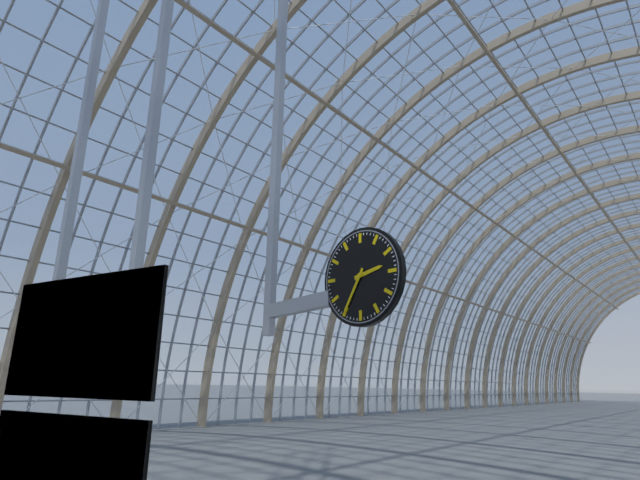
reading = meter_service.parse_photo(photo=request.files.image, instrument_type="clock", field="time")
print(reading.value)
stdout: 2:35
